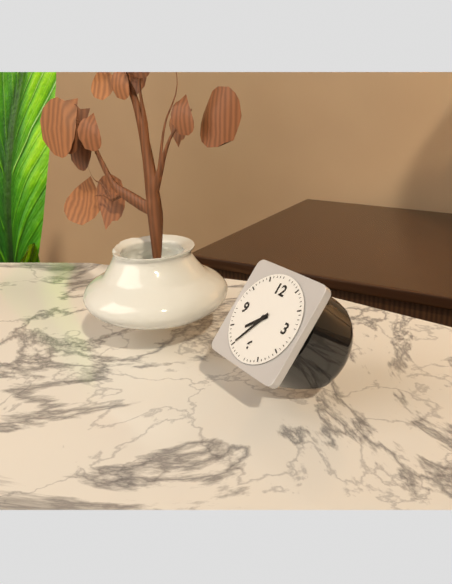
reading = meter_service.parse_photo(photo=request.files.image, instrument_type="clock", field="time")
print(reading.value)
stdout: 7:35
